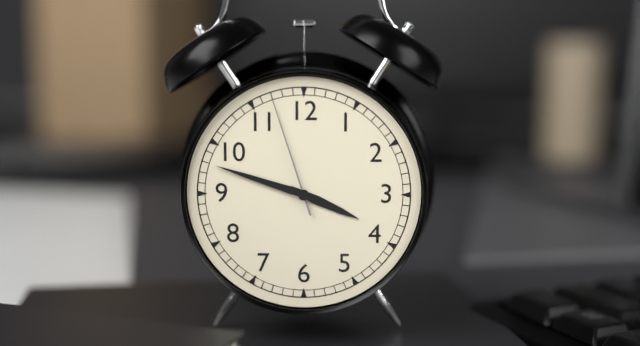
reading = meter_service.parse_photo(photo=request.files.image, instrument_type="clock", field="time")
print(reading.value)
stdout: 3:48:57
